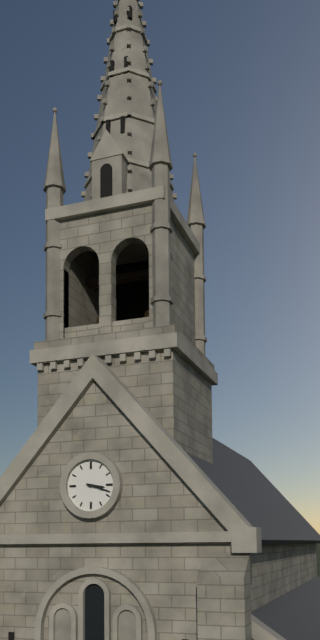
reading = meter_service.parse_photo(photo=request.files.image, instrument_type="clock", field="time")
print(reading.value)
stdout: 3:18
